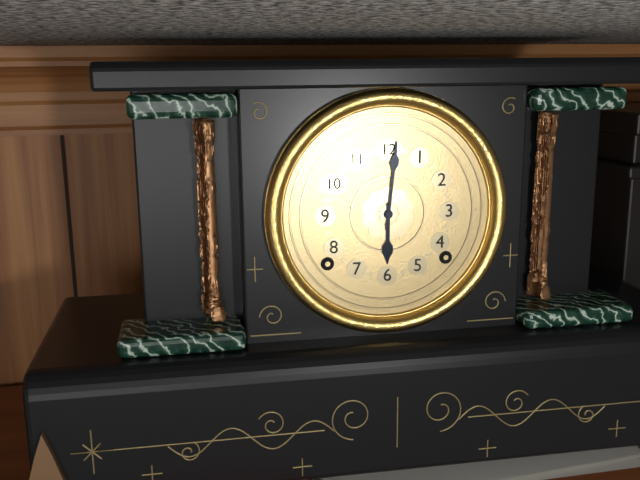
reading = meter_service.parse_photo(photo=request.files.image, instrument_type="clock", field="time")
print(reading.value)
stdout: 6:01
